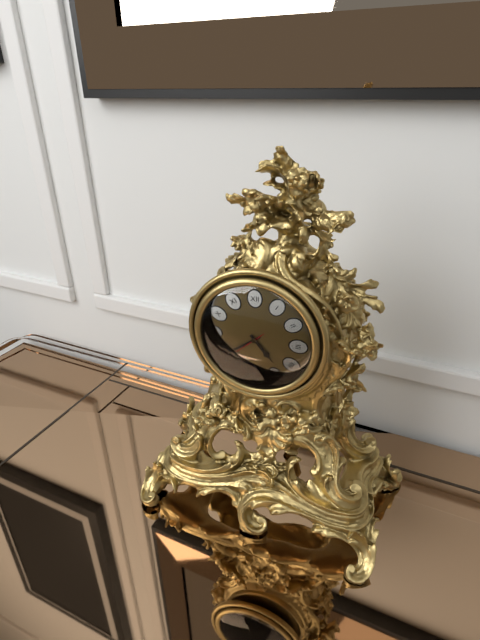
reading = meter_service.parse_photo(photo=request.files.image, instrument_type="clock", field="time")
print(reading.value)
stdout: 4:39:38
